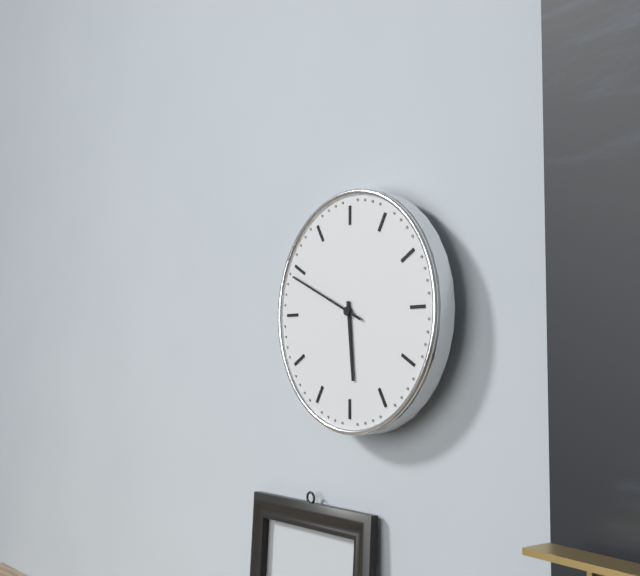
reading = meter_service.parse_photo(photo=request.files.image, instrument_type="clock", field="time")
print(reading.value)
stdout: 5:49
